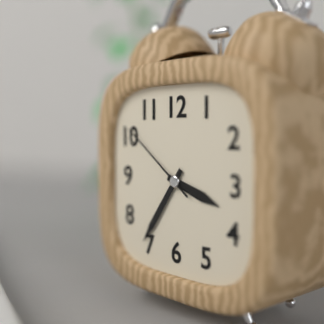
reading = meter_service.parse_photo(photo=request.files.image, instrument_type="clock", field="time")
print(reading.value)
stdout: 3:36:51
